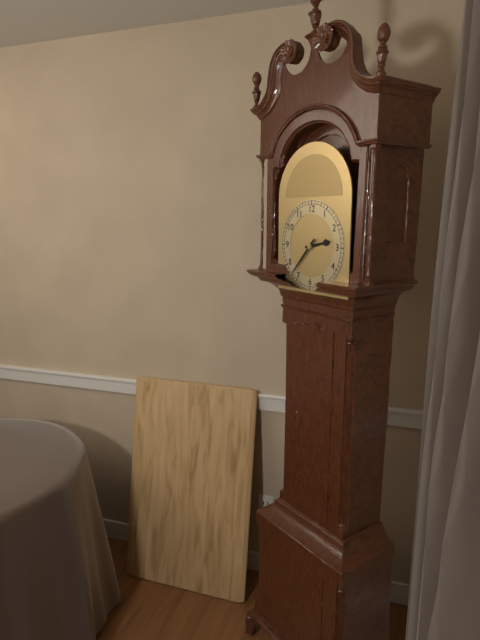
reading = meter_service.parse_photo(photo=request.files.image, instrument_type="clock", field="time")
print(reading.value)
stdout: 2:37
